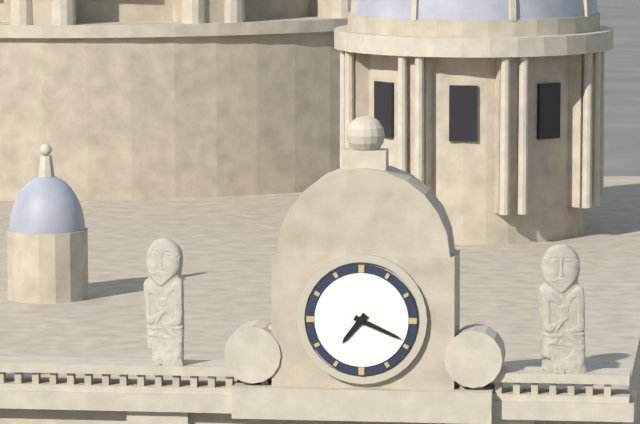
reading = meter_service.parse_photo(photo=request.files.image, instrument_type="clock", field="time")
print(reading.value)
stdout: 7:19
